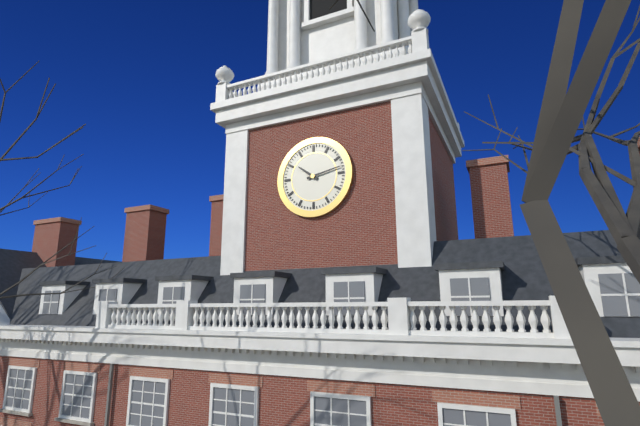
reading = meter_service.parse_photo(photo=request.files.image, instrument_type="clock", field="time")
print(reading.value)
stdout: 10:13
